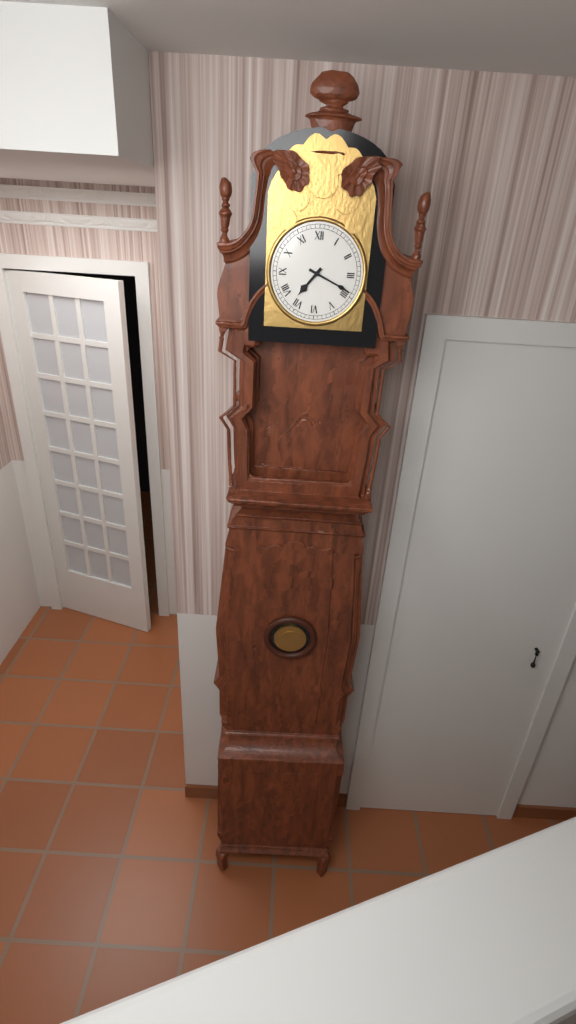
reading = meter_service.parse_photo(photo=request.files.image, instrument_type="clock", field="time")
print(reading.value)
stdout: 7:19
